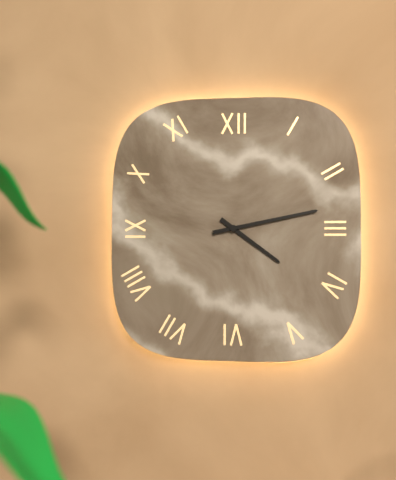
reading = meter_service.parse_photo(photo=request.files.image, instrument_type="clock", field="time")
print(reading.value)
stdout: 4:13
